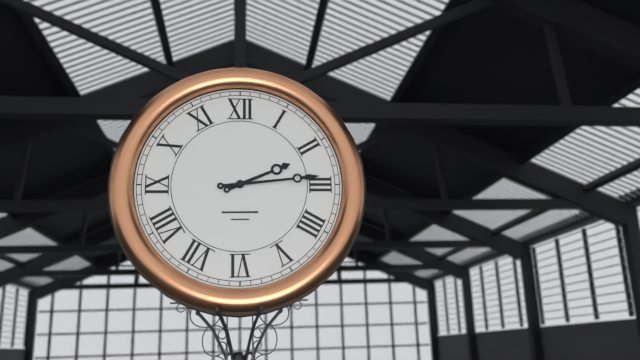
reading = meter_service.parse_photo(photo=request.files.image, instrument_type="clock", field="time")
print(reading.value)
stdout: 2:14
